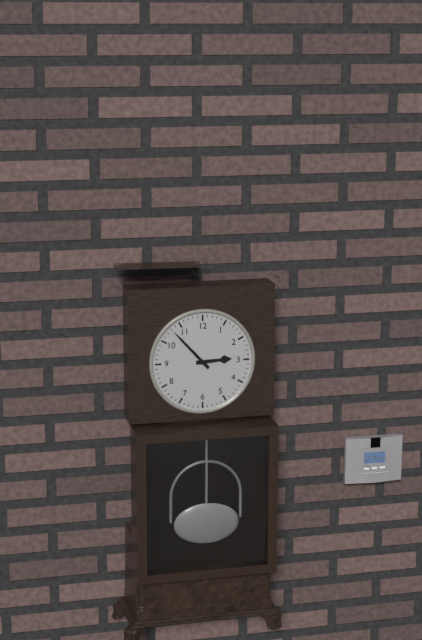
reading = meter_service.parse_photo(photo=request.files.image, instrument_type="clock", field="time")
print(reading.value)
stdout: 2:53
